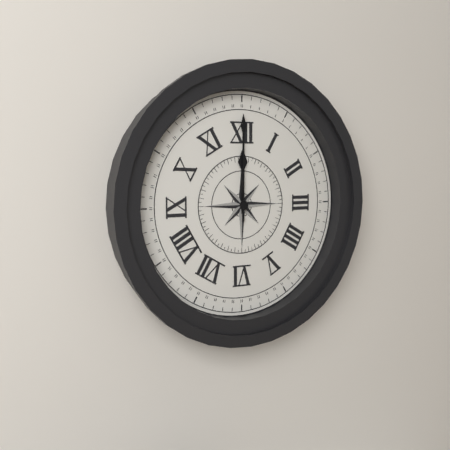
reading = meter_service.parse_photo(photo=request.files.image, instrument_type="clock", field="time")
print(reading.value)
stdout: 12:00
